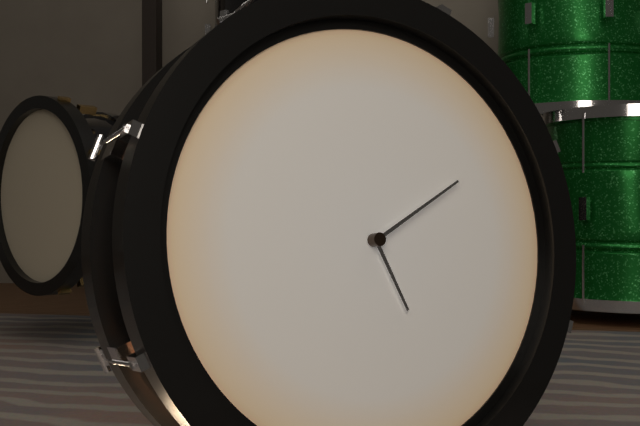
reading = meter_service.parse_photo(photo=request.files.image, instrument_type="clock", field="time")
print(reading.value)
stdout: 5:10
